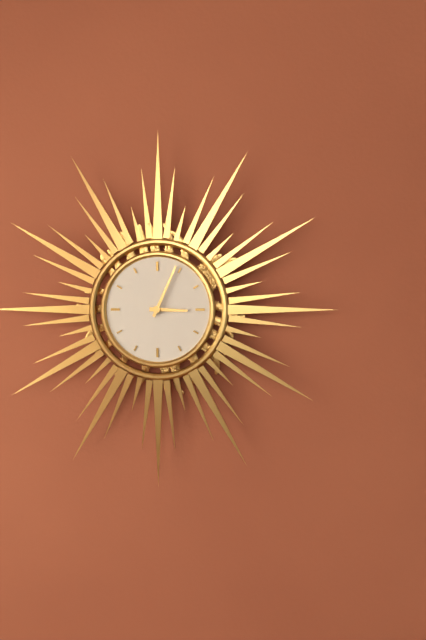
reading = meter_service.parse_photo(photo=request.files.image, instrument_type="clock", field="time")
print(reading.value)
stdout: 3:04
